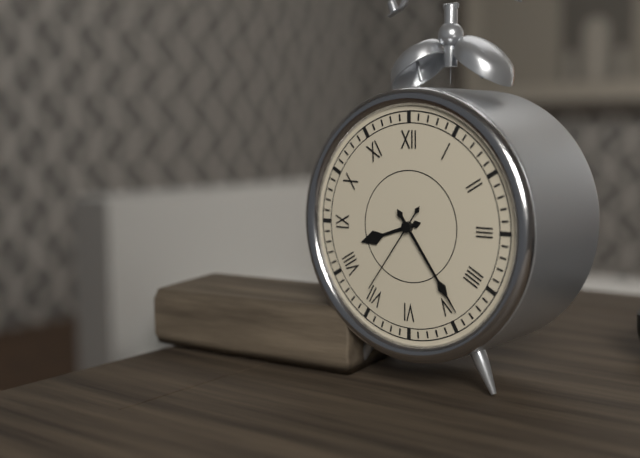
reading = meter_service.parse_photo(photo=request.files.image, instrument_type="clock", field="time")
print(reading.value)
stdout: 8:24:36
